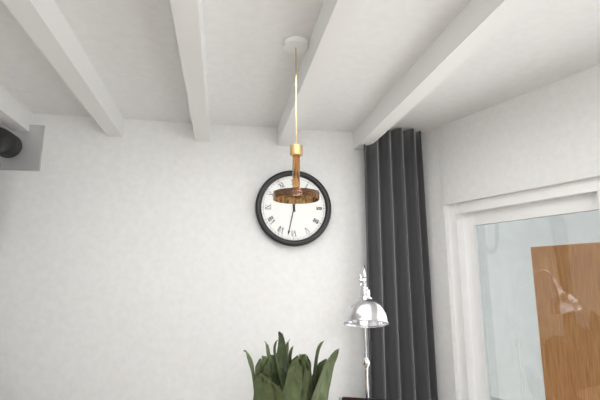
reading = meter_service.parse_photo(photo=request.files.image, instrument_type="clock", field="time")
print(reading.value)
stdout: 11:32
